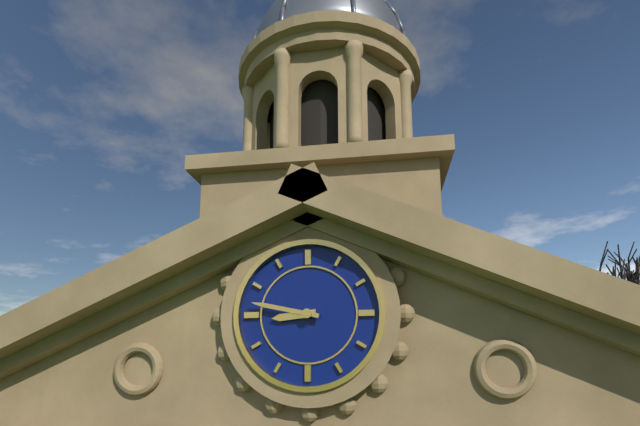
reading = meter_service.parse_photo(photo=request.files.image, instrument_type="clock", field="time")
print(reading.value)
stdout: 8:47
